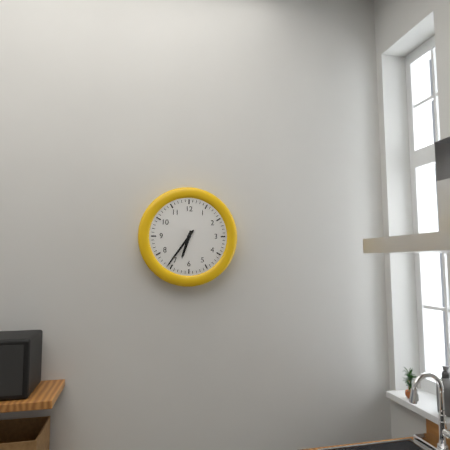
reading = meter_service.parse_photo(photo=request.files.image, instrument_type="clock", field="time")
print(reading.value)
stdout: 6:36
